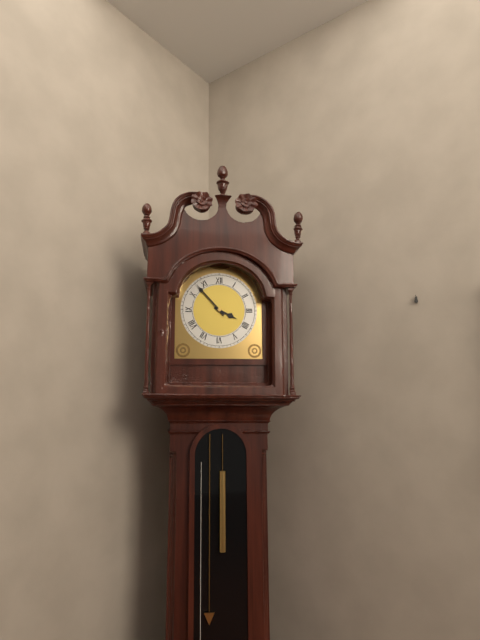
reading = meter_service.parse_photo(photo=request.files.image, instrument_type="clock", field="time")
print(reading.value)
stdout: 3:53
